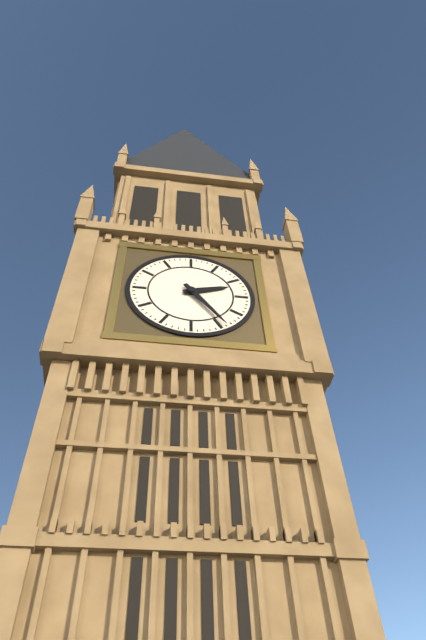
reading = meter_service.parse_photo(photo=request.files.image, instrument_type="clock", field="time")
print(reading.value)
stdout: 2:24
